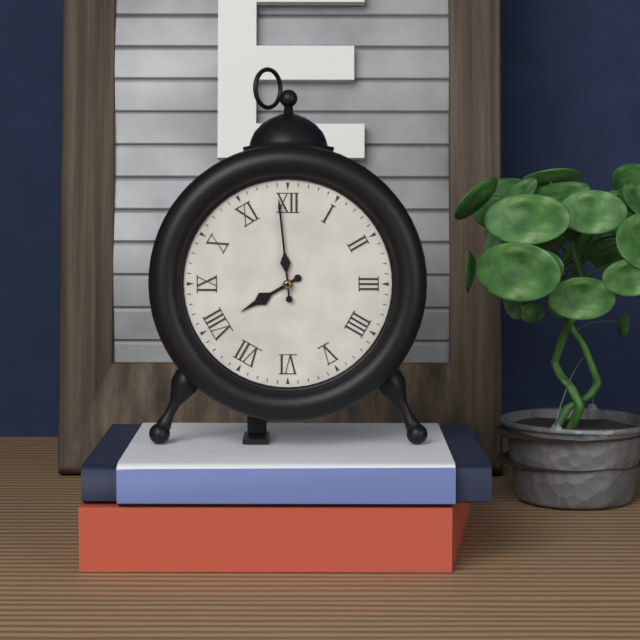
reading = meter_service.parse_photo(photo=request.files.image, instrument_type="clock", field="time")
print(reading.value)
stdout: 7:59
